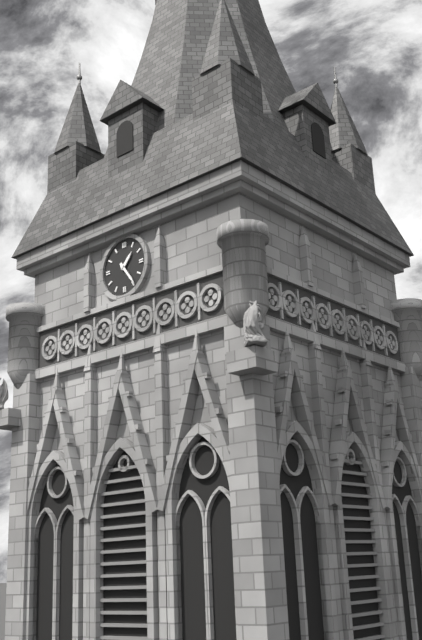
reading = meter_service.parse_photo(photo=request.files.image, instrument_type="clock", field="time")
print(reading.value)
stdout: 1:24
